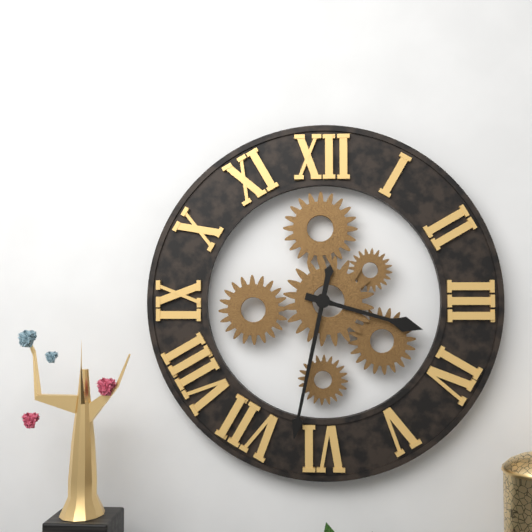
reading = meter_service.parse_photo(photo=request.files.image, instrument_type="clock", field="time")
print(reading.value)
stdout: 3:32
